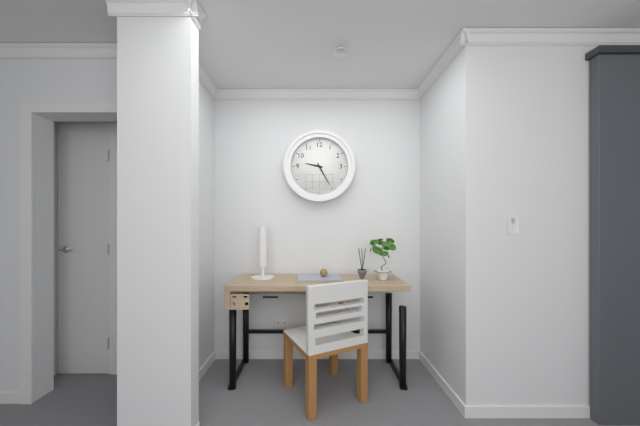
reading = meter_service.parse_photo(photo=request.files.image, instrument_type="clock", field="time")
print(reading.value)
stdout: 9:25
